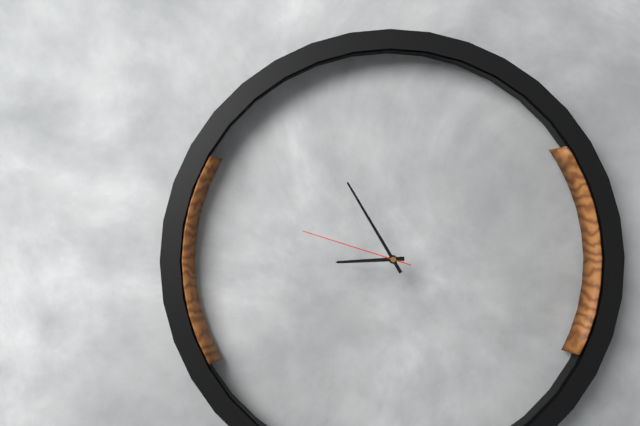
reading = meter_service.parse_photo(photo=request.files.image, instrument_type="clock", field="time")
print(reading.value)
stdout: 8:55:48
